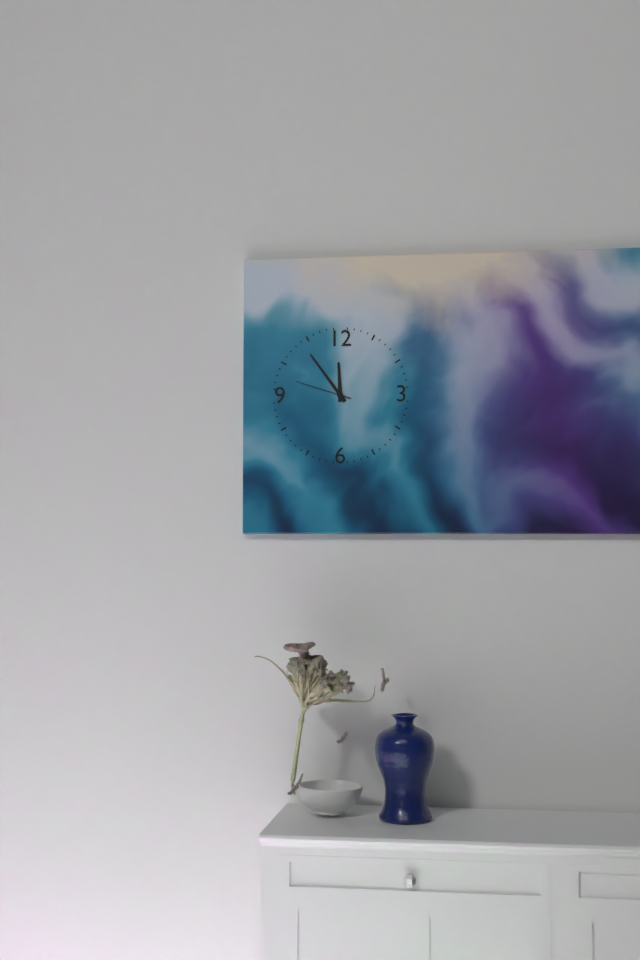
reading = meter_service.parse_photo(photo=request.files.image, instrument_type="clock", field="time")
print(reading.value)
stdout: 11:54:48
